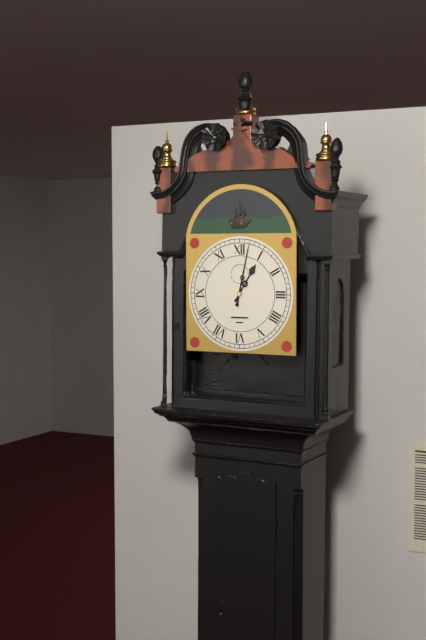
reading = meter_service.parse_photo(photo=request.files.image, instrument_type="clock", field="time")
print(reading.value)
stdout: 1:02
